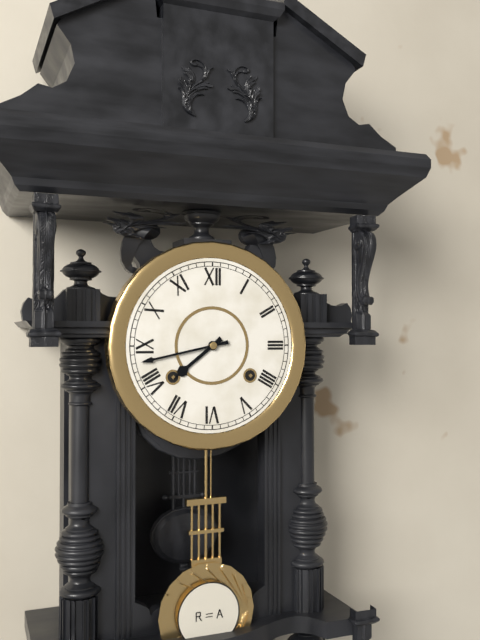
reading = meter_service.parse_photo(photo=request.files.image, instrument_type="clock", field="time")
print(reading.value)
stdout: 7:43
